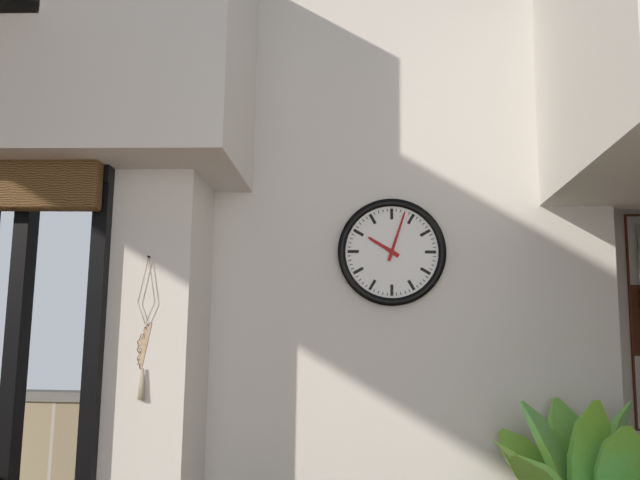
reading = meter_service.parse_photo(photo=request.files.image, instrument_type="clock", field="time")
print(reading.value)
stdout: 10:03
